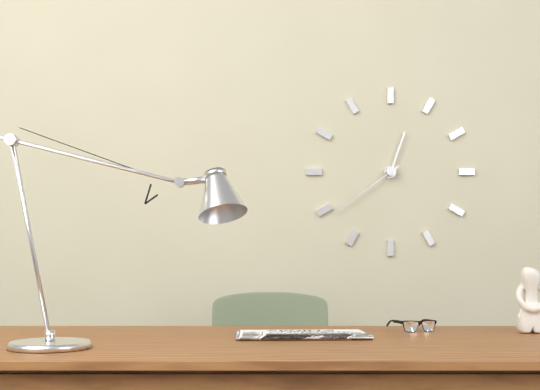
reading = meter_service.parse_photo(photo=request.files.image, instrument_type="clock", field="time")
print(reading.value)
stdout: 12:39
